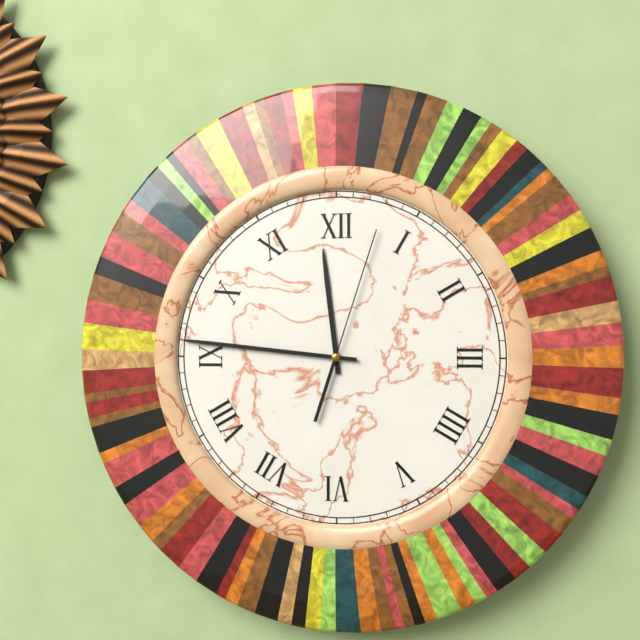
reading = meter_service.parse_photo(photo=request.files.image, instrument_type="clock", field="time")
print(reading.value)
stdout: 11:46:03
